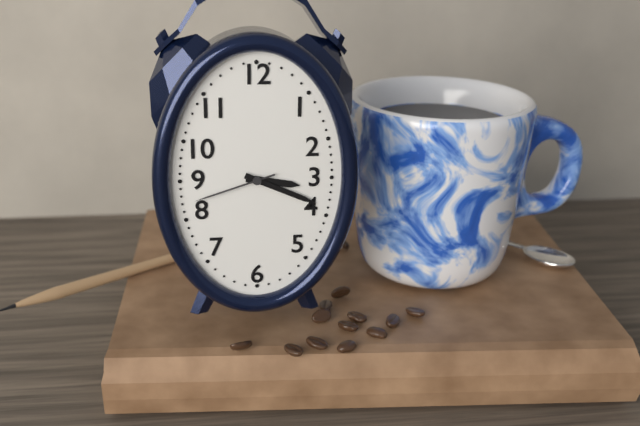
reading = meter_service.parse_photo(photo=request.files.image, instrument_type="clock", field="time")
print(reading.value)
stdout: 3:19:42
